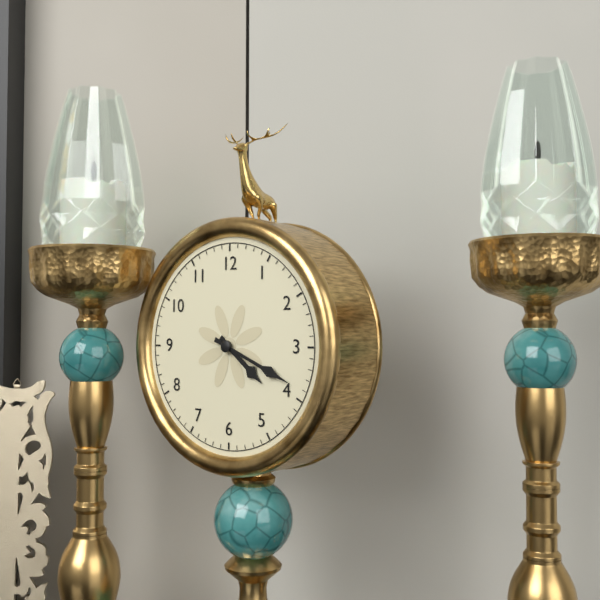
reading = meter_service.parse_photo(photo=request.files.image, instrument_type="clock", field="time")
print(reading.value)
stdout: 4:19
